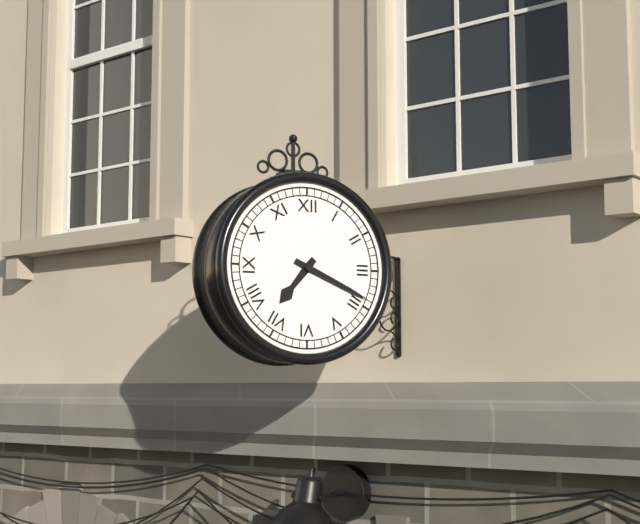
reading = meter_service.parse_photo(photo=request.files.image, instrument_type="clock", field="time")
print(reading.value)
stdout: 7:19
